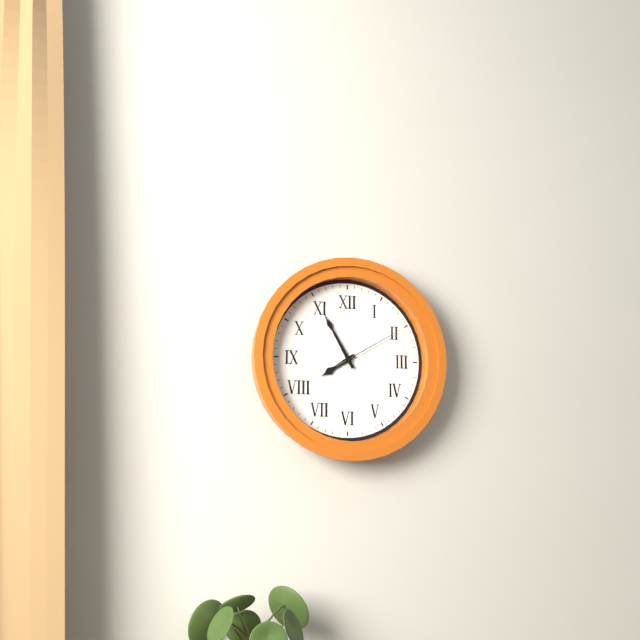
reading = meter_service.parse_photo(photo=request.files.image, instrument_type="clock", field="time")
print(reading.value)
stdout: 7:55:10
